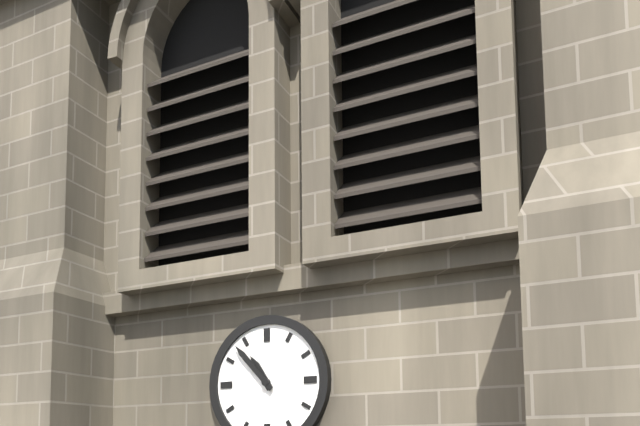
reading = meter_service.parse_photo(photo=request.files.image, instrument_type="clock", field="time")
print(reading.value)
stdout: 10:53
